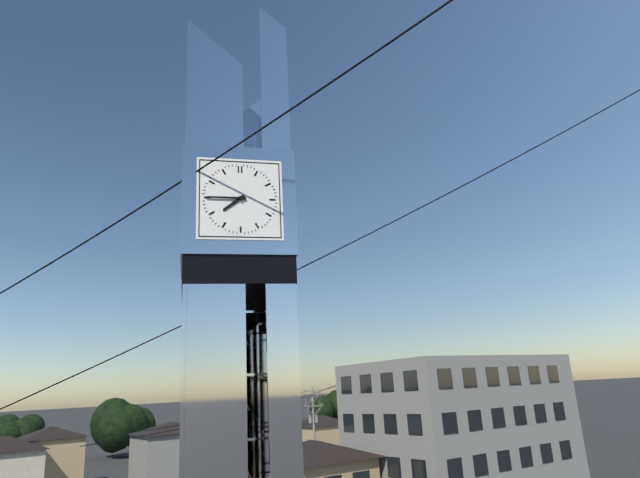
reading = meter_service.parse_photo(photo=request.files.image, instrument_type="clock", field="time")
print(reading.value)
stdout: 7:45
